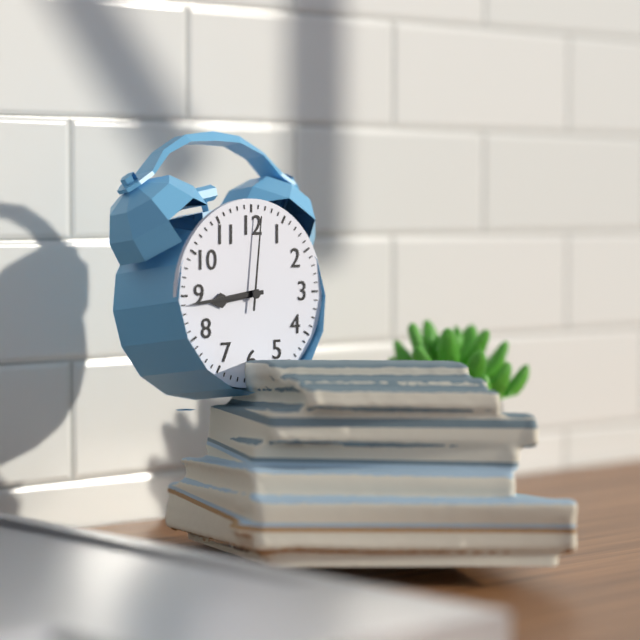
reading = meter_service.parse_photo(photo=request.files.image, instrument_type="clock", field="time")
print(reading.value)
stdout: 8:44:01
